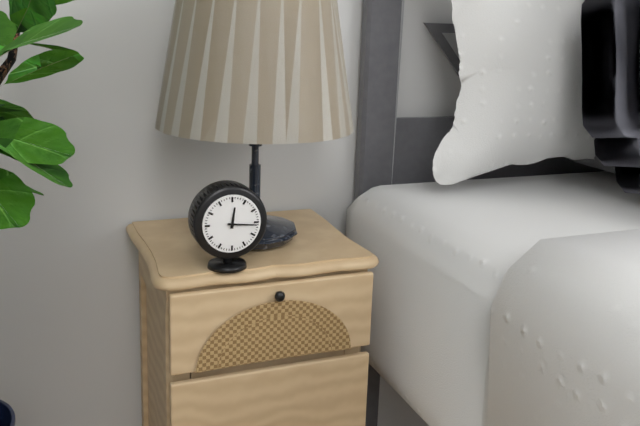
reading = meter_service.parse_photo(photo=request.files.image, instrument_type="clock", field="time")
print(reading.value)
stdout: 12:16
